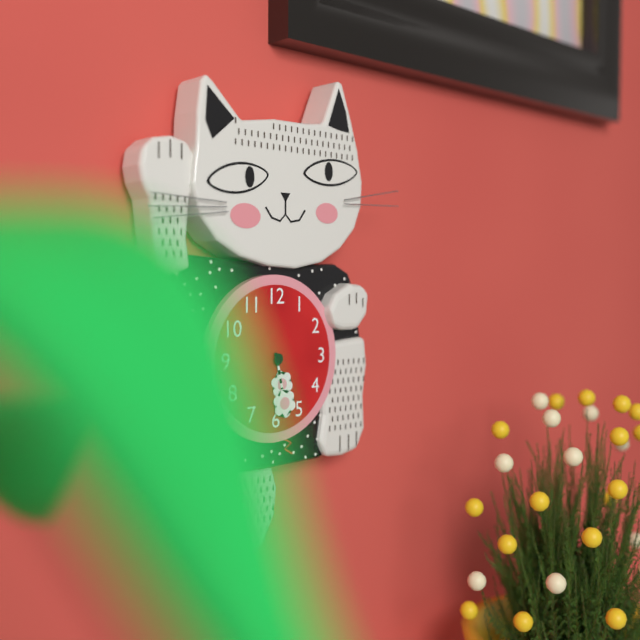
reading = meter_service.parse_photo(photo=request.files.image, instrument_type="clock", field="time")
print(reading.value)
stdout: 5:28
